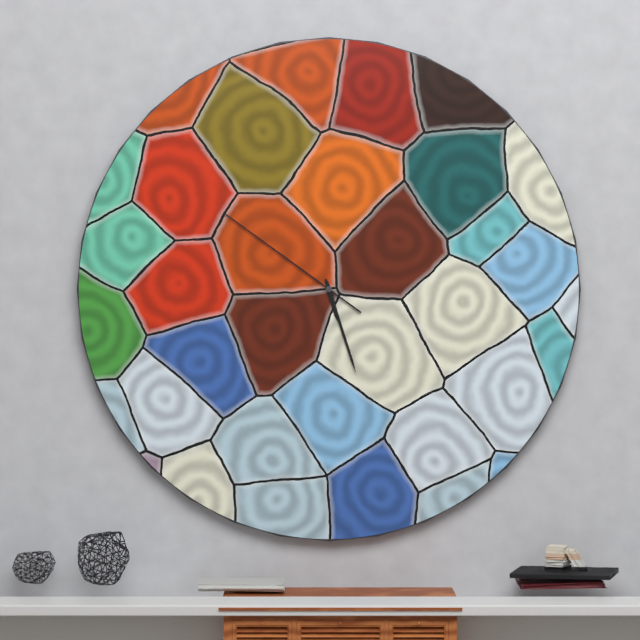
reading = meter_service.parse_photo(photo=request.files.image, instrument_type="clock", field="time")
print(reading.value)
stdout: 5:27:51
